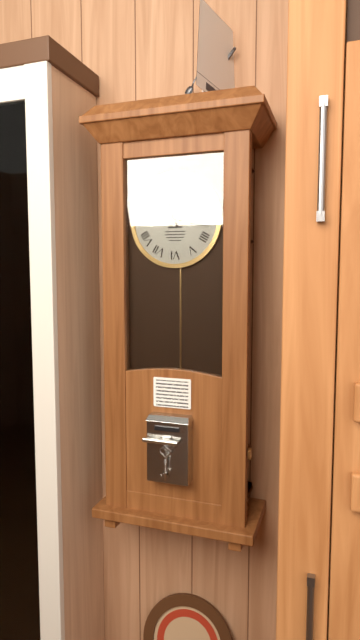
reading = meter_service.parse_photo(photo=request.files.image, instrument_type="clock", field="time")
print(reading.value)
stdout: 11:17
